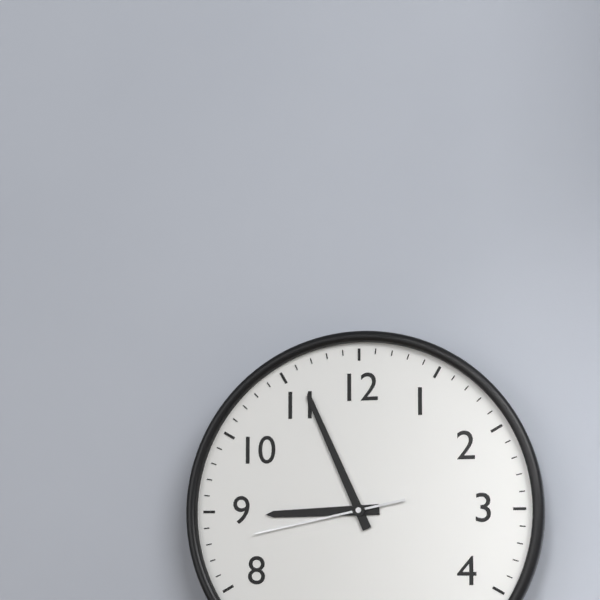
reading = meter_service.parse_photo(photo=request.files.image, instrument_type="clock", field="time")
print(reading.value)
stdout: 8:56:43
